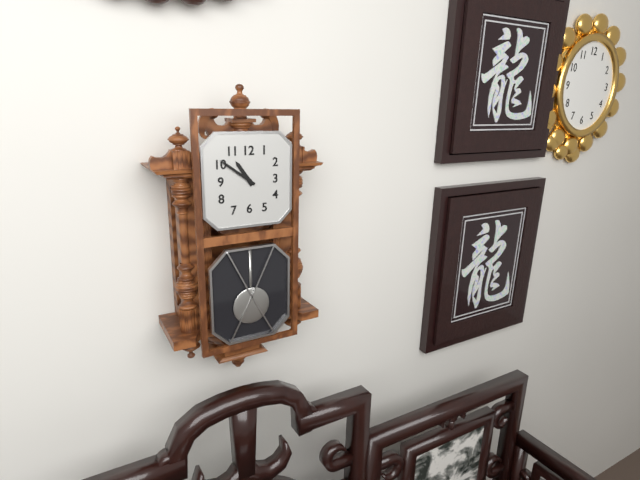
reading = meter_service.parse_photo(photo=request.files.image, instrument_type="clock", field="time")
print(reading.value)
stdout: 10:51
